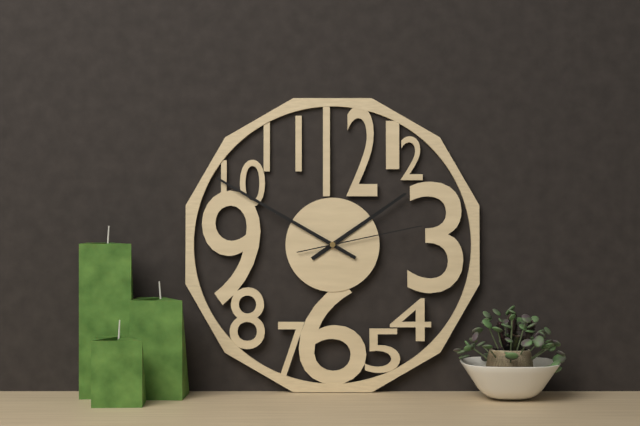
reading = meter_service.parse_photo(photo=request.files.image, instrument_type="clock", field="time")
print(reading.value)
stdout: 1:50:13
